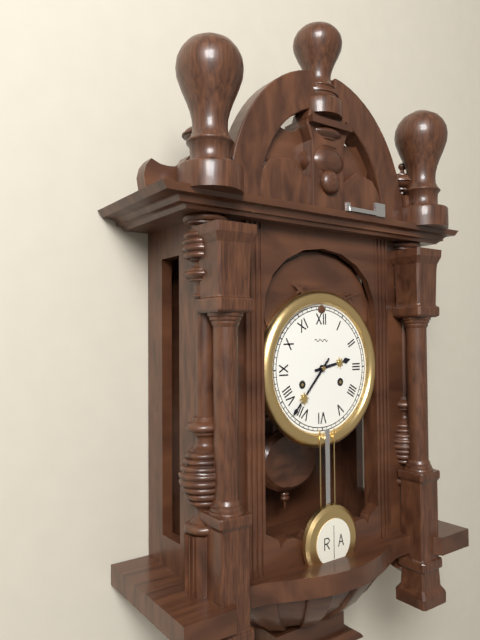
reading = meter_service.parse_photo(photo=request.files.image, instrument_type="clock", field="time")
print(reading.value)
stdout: 2:37
